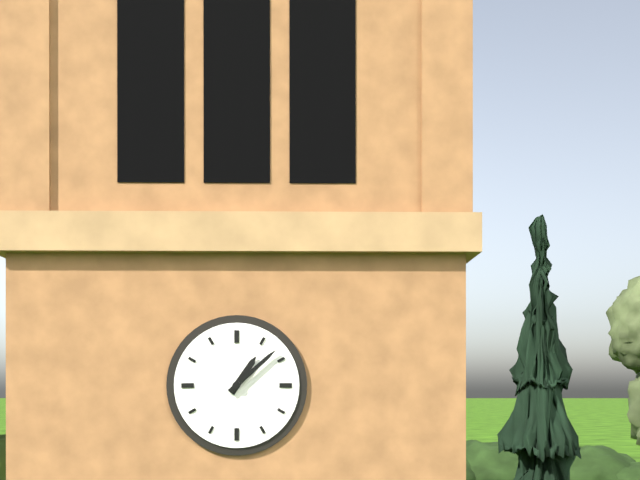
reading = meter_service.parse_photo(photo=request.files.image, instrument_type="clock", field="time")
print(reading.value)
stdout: 1:08
